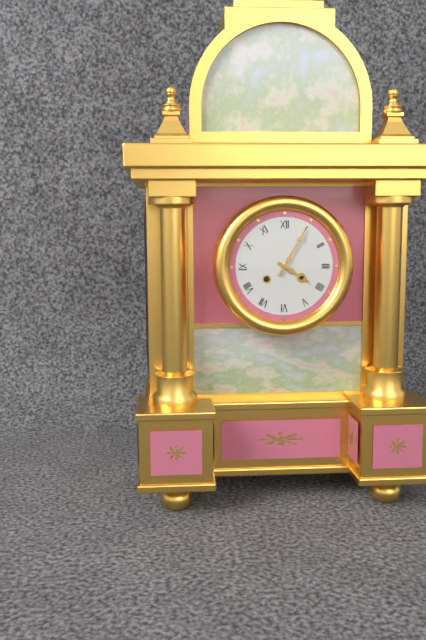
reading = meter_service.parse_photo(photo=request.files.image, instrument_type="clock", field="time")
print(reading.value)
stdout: 4:05
